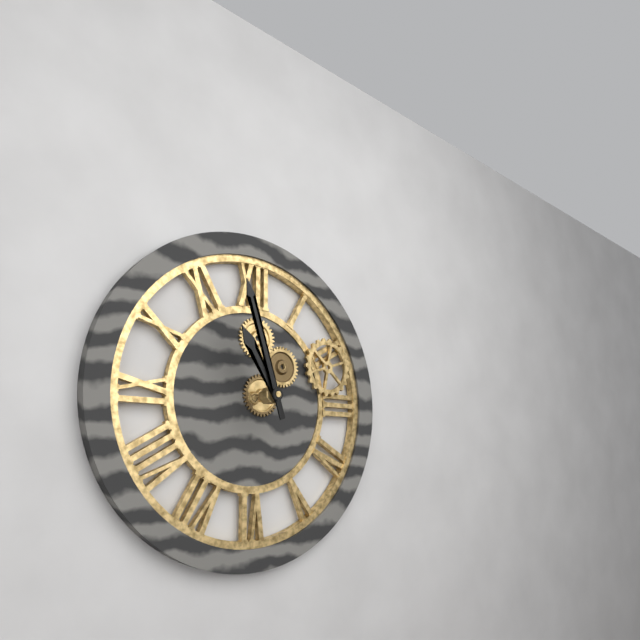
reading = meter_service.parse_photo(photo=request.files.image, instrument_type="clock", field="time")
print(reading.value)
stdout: 10:57
